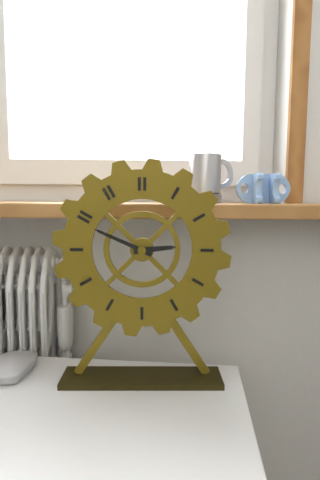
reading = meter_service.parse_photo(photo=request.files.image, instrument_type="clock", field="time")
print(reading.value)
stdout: 2:49
